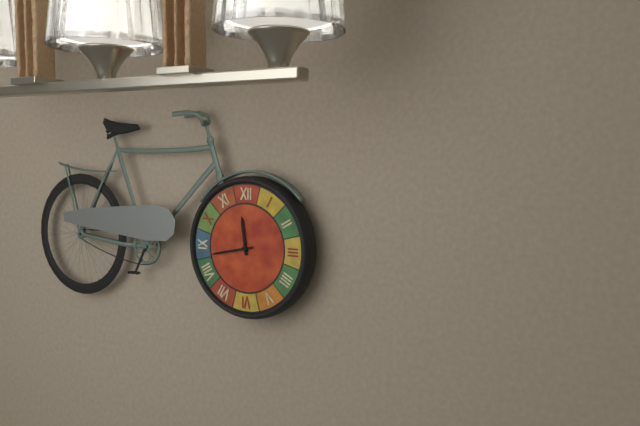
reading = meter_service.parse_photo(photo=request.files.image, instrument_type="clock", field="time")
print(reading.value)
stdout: 11:43
